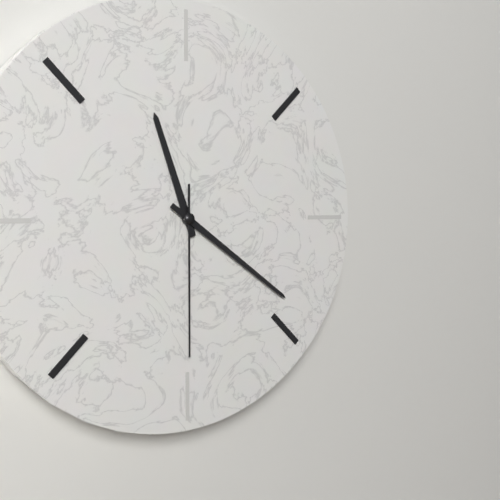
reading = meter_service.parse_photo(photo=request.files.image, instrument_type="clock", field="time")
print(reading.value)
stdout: 11:21:30
